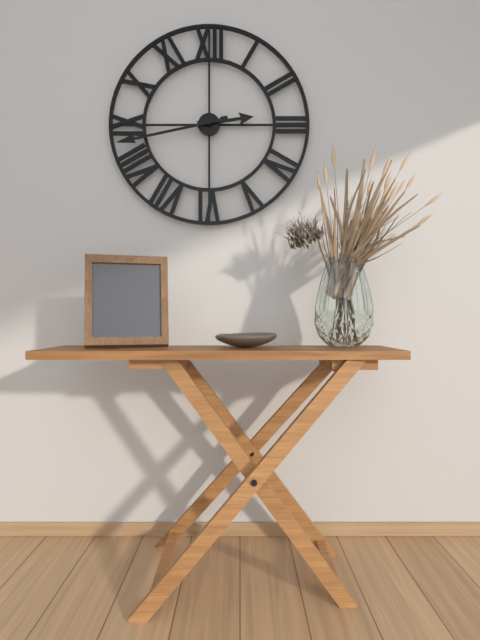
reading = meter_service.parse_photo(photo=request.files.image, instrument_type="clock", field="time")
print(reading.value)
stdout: 2:43
